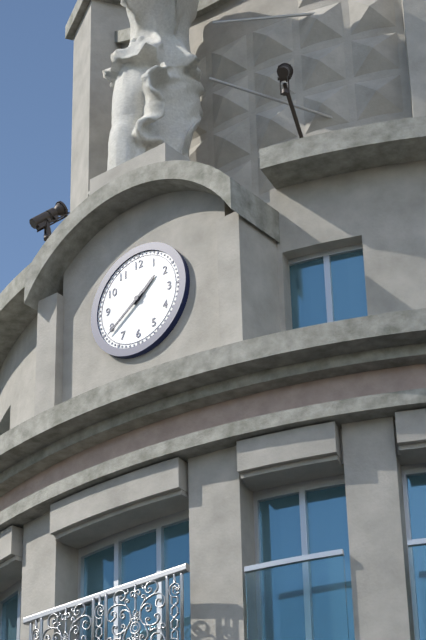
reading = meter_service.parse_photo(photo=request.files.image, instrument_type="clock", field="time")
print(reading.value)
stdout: 1:39
